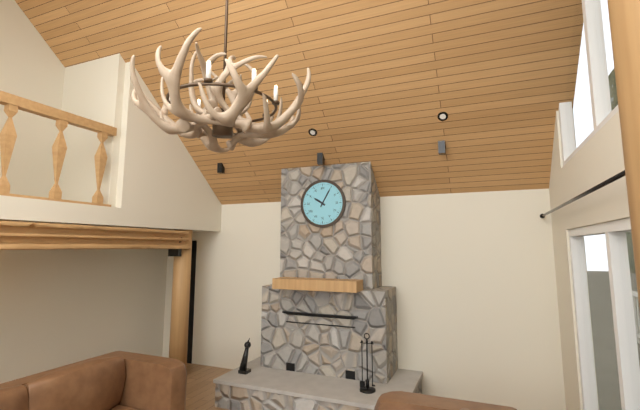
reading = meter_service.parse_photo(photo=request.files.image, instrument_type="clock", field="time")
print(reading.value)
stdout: 10:05
